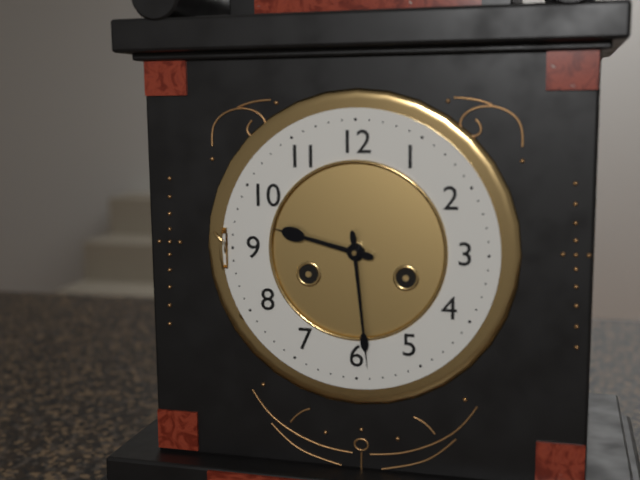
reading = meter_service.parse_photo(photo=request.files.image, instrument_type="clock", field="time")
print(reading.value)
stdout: 9:29
